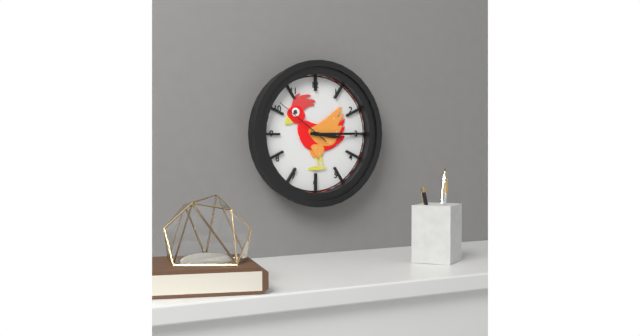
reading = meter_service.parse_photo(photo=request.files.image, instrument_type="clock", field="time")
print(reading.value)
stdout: 3:15:51
